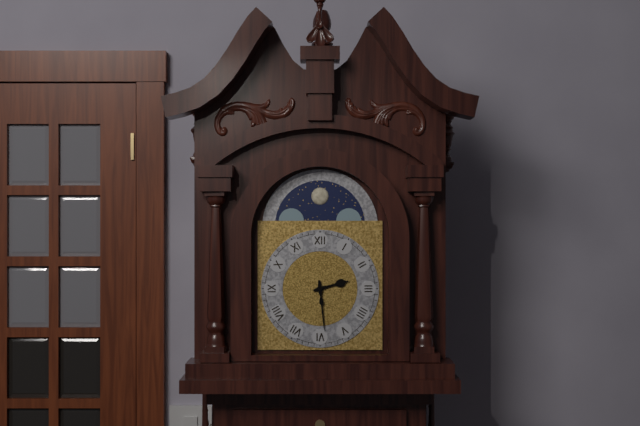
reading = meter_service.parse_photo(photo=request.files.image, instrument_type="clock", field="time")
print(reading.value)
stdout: 2:29
